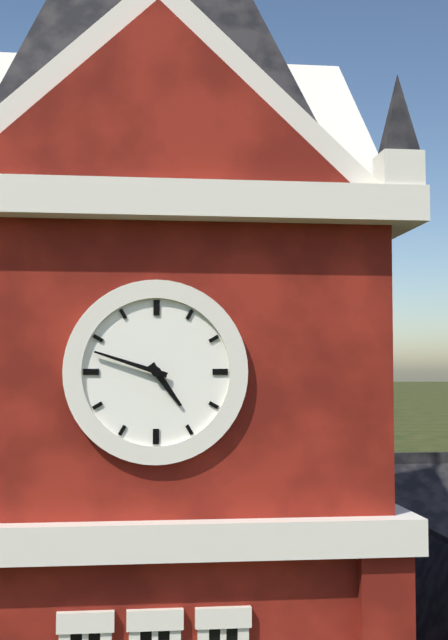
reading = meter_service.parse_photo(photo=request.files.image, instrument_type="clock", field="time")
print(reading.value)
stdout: 4:48
